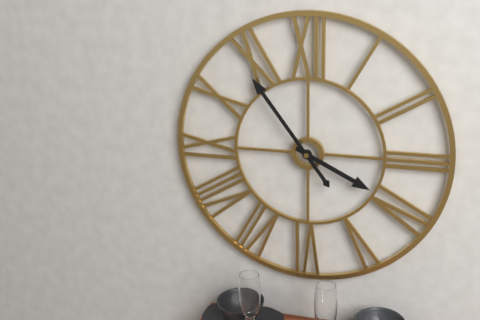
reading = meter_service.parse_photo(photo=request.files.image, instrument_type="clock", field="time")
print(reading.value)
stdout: 3:54
